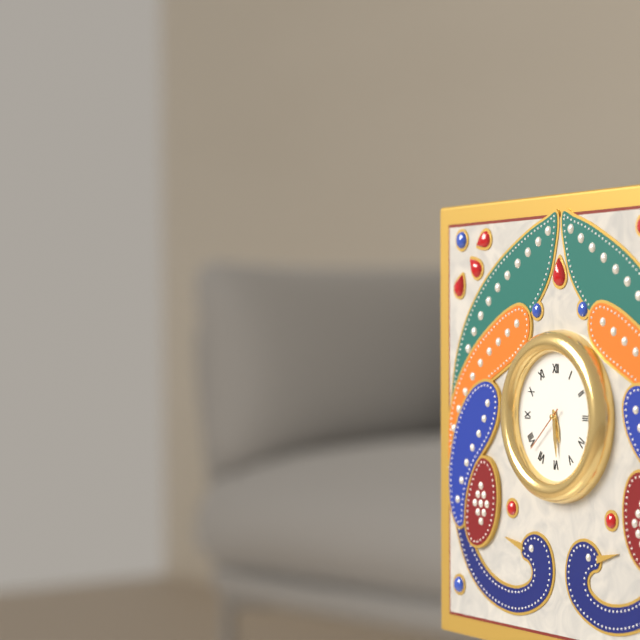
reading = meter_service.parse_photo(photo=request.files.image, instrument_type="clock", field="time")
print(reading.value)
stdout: 5:29:38
